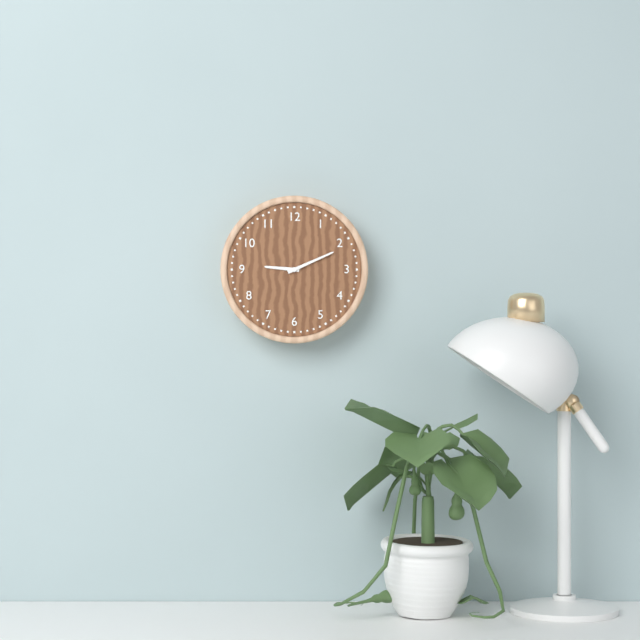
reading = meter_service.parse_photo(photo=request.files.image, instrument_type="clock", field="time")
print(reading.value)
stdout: 9:11
